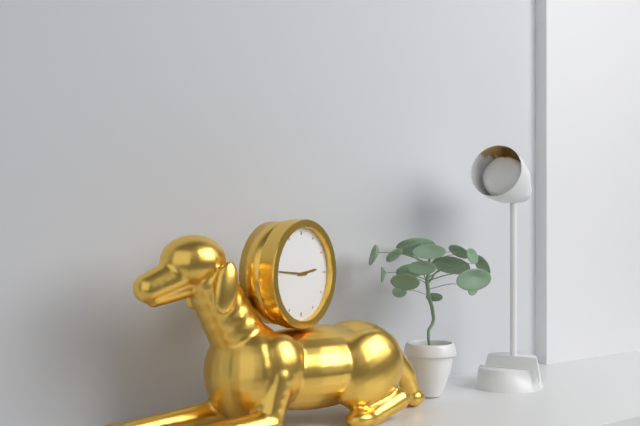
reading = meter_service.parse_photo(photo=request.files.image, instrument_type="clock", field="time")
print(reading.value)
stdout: 2:46
